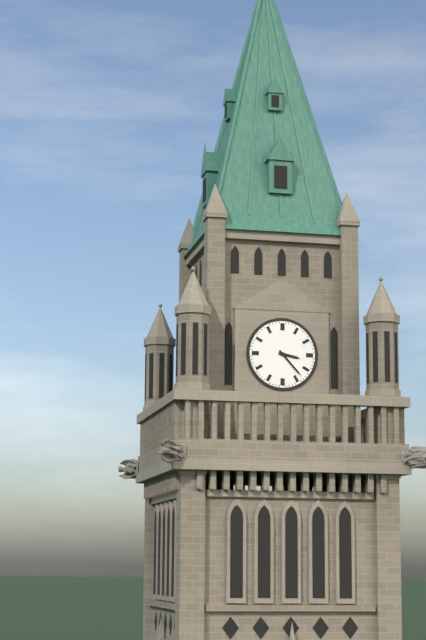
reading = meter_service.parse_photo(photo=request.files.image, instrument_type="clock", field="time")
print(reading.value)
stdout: 3:23
